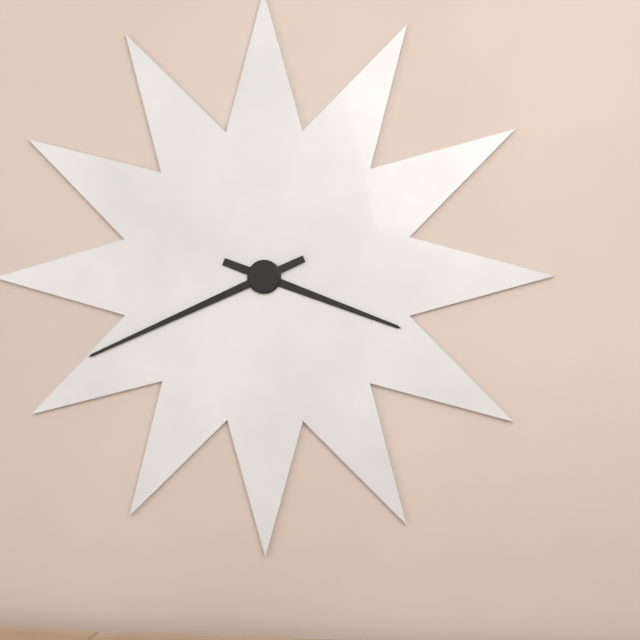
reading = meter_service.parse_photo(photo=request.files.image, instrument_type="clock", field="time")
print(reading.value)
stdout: 3:41
